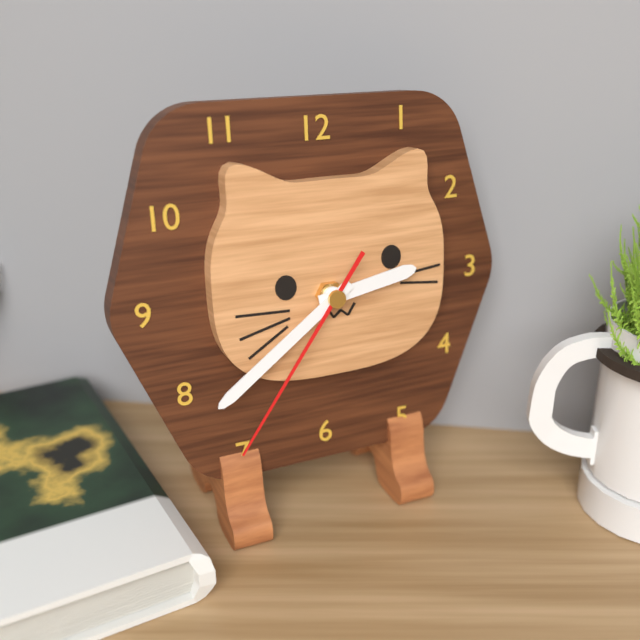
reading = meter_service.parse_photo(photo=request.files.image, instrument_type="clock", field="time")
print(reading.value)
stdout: 2:39:36
